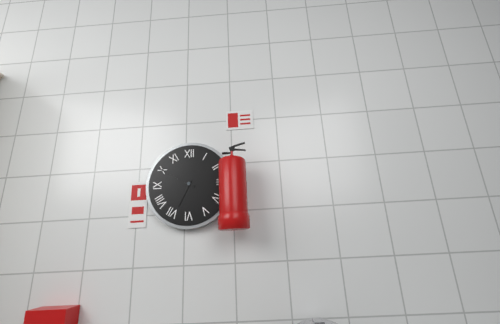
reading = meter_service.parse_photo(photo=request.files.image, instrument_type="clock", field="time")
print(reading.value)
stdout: 6:50
